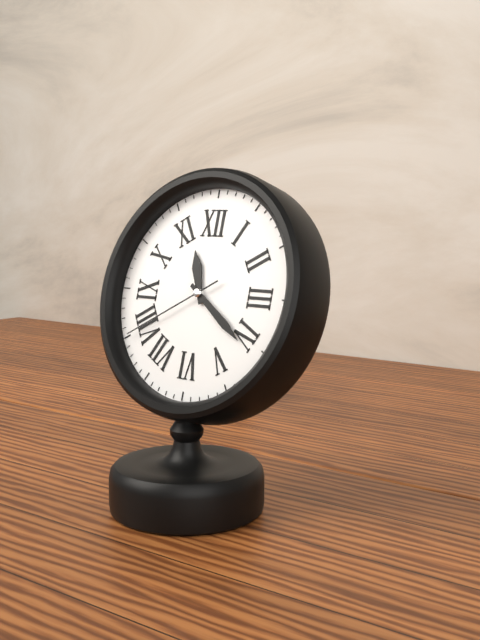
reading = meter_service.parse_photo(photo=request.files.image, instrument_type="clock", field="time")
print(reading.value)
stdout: 11:21:40
